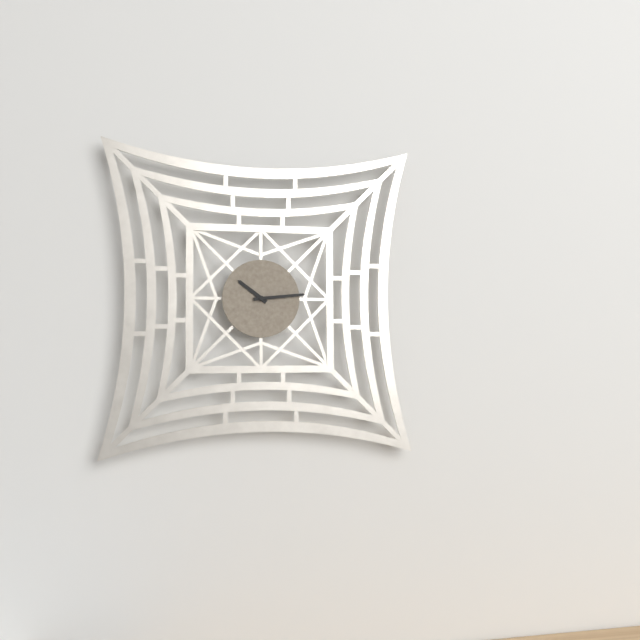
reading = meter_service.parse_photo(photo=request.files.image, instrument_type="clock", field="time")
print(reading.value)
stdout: 10:14
